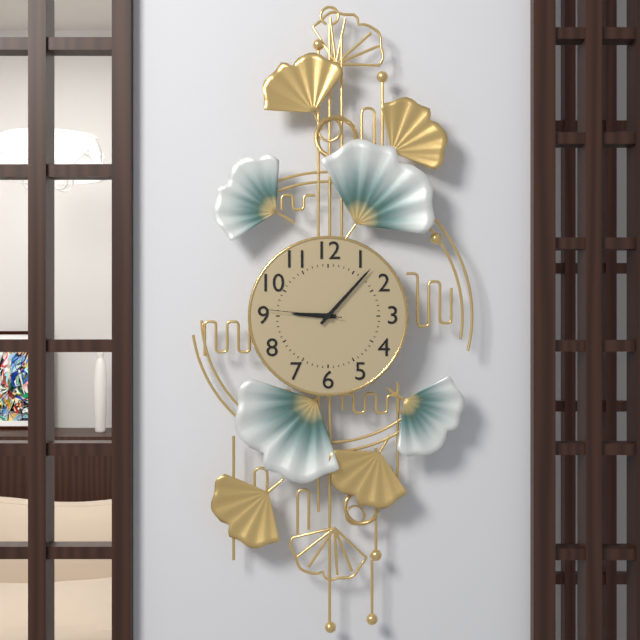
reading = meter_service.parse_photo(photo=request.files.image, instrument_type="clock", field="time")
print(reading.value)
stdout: 9:07:46
